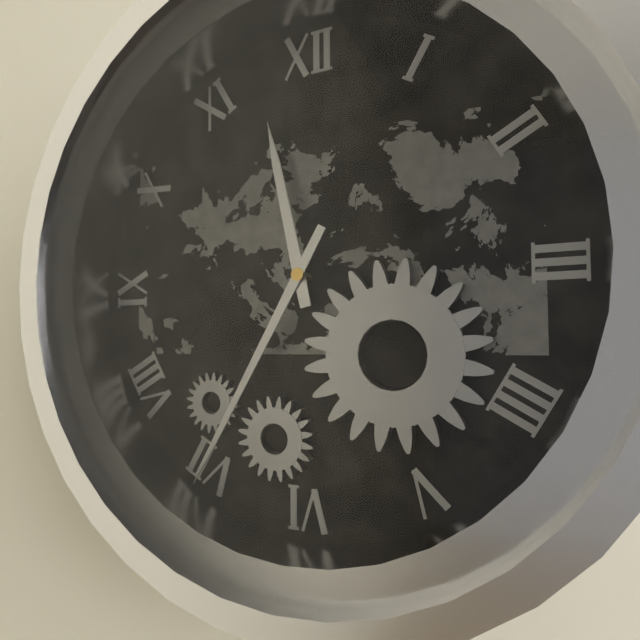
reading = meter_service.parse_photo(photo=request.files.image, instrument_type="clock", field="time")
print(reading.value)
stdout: 11:35
